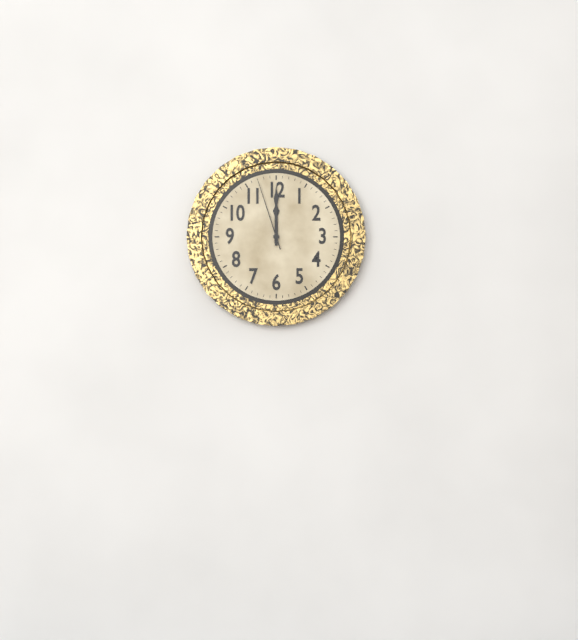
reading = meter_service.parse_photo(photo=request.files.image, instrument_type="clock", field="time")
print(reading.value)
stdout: 12:00:57
